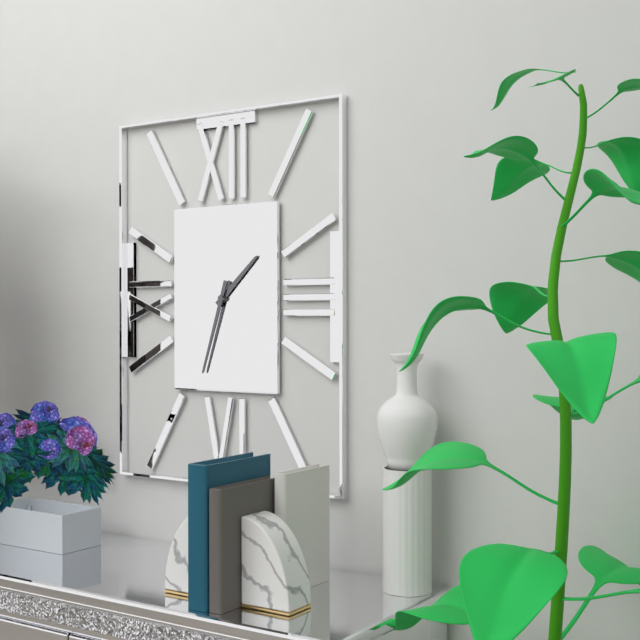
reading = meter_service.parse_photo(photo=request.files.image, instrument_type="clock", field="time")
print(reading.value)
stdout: 1:33
